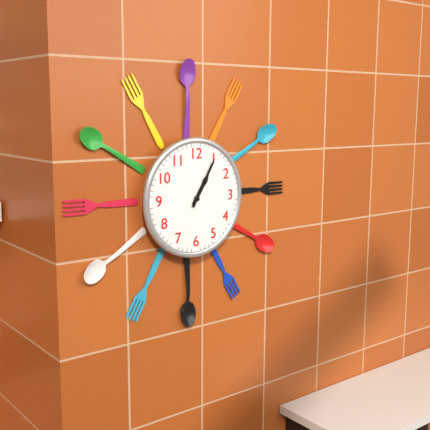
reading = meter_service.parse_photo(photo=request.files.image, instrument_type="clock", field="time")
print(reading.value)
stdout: 1:05
